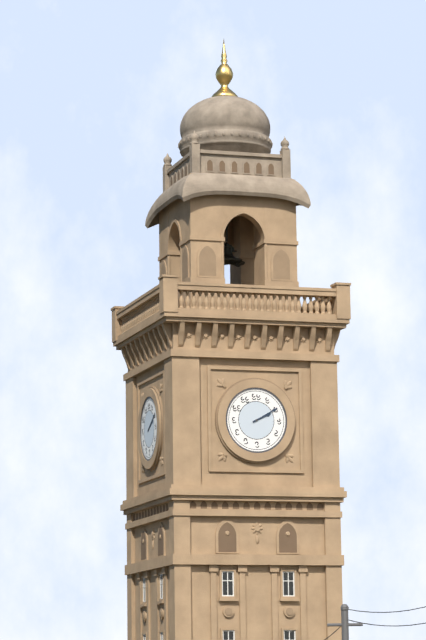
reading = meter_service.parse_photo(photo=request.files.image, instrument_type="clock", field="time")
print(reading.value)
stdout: 2:10
